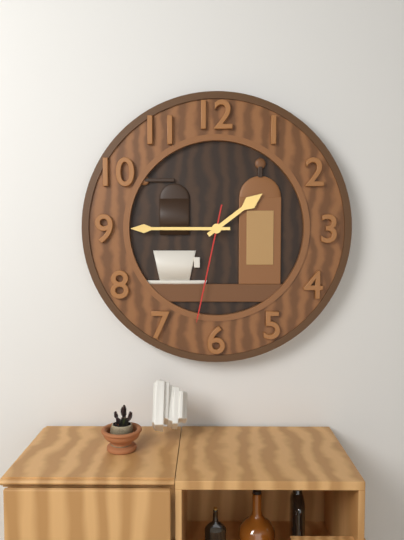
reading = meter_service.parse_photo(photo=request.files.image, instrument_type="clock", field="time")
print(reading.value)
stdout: 1:45:32
